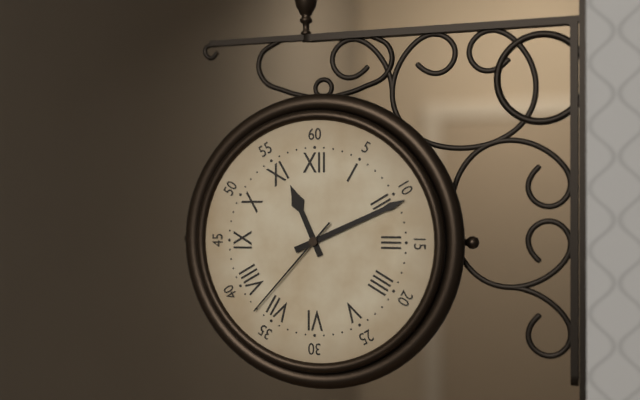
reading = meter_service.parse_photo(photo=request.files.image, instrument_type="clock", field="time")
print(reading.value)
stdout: 11:11:37
